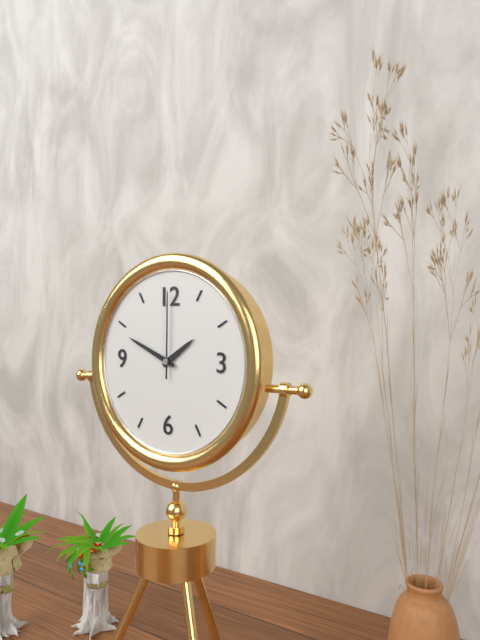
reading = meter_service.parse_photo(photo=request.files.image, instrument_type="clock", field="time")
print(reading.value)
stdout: 1:49:00
